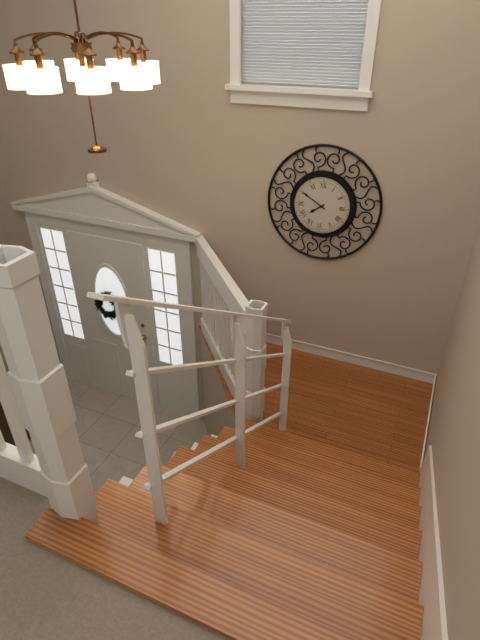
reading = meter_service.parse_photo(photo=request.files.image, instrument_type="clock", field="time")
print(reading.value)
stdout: 7:50
